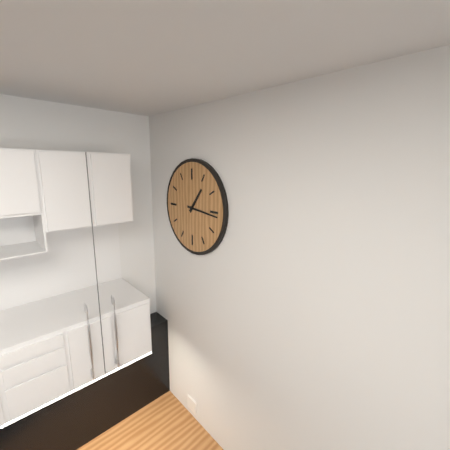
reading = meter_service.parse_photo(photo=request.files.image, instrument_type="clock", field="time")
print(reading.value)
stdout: 1:16
